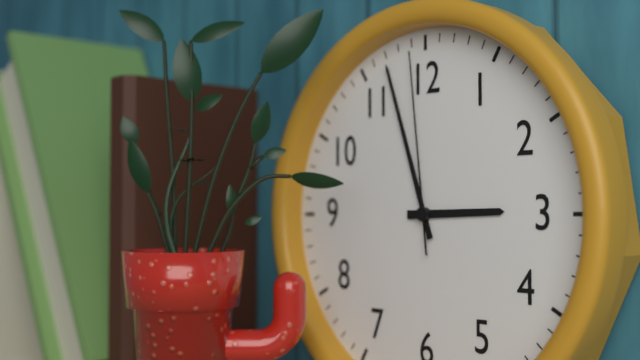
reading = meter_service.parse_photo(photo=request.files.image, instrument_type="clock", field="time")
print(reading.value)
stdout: 2:57:59
